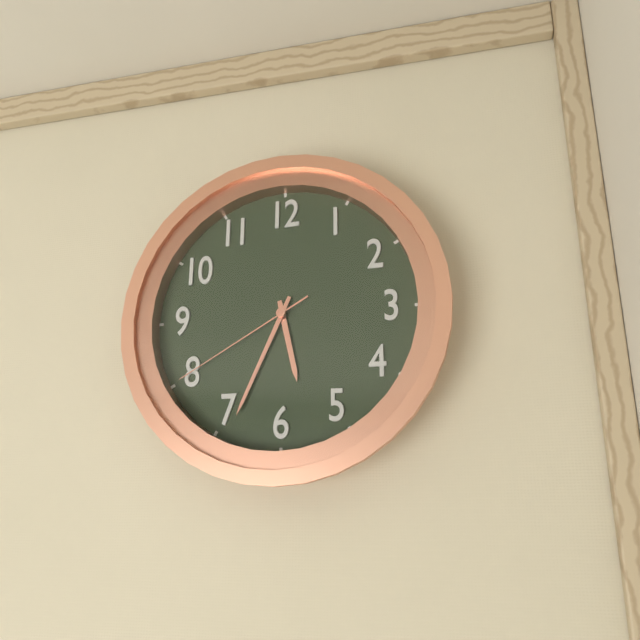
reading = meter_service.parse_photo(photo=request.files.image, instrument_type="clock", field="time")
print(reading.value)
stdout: 5:34:40
